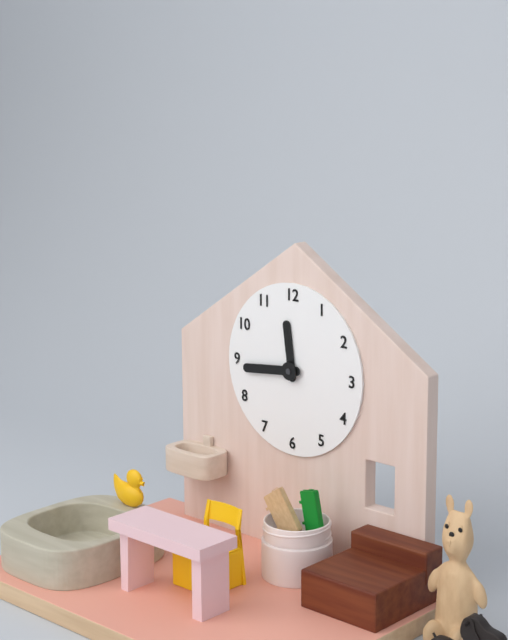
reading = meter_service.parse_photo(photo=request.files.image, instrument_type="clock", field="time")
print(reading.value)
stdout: 11:44
